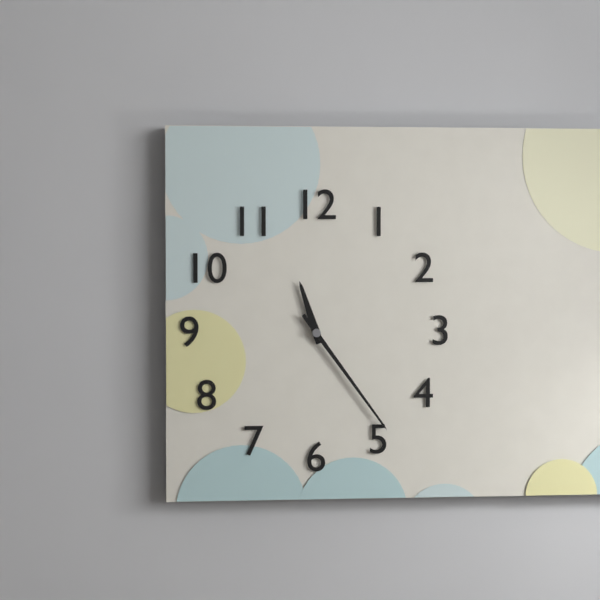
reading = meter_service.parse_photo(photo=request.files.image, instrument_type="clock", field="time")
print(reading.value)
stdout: 11:24
